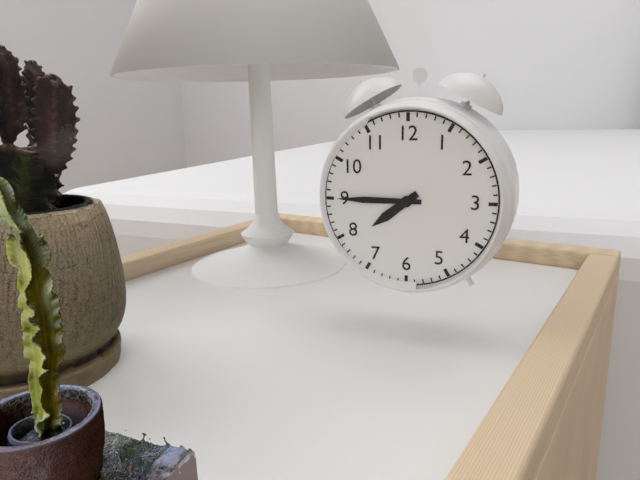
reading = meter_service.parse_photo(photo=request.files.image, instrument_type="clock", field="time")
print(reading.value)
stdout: 7:45
